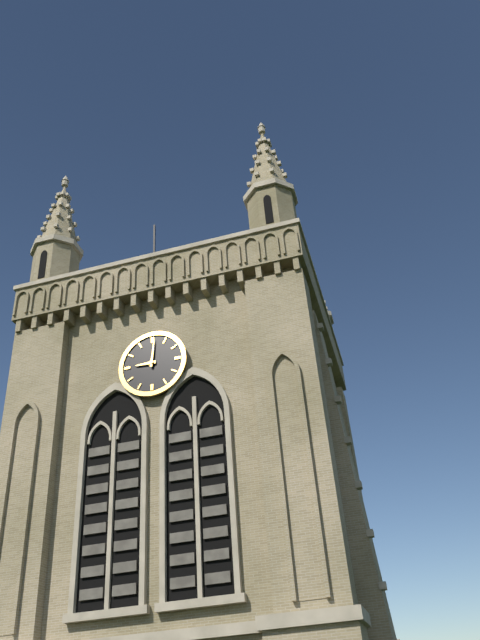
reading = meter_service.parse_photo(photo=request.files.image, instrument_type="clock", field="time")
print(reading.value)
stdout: 9:01
